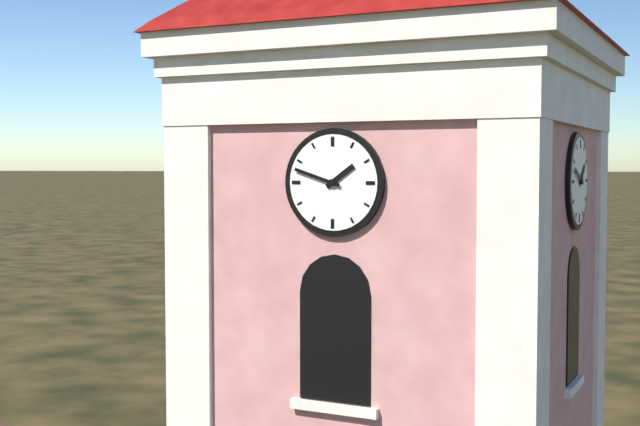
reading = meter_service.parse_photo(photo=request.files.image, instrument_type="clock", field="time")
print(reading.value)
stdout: 1:48
